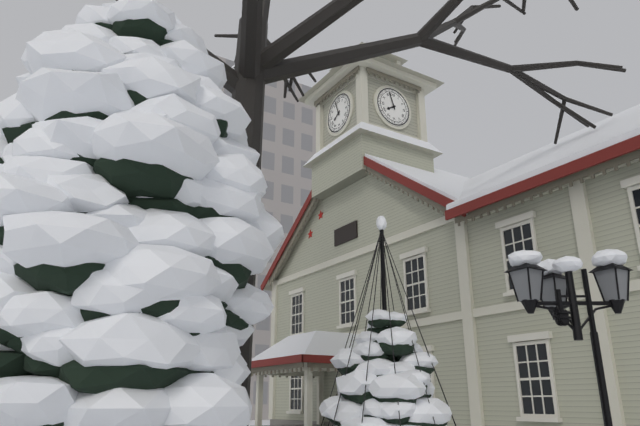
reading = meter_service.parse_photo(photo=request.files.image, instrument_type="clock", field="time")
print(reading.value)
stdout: 7:57
